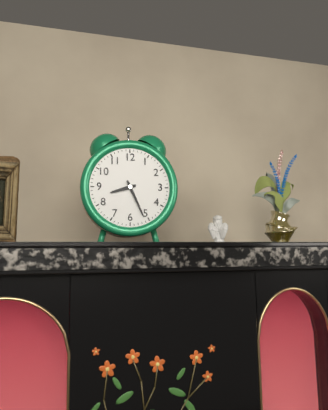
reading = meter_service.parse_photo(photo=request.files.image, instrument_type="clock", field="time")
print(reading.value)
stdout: 8:26
